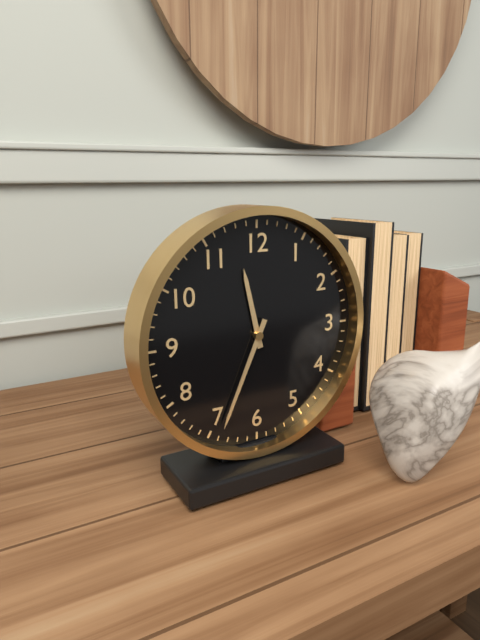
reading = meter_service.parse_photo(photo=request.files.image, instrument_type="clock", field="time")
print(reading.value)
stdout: 11:34
